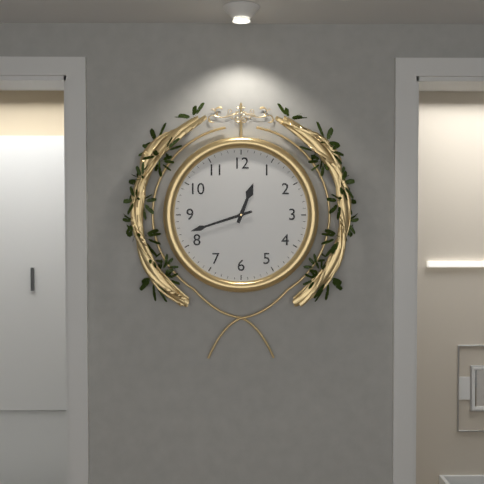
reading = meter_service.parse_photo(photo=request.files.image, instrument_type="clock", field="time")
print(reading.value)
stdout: 12:42
